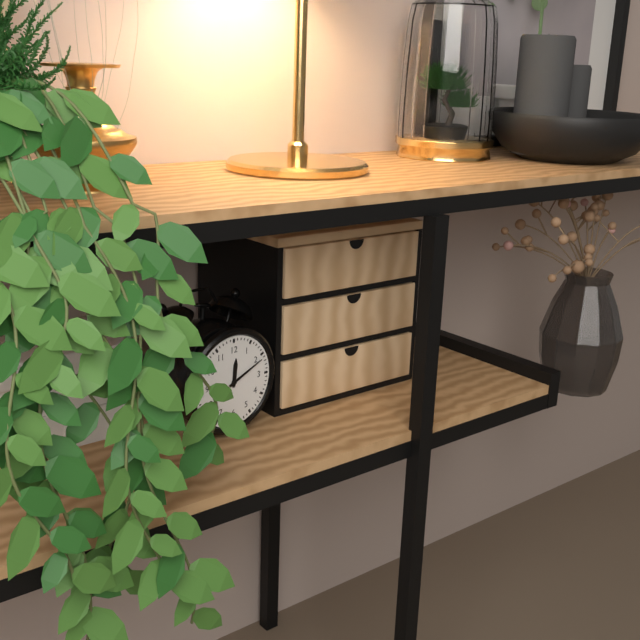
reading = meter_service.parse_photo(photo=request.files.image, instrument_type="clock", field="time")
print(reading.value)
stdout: 12:11
